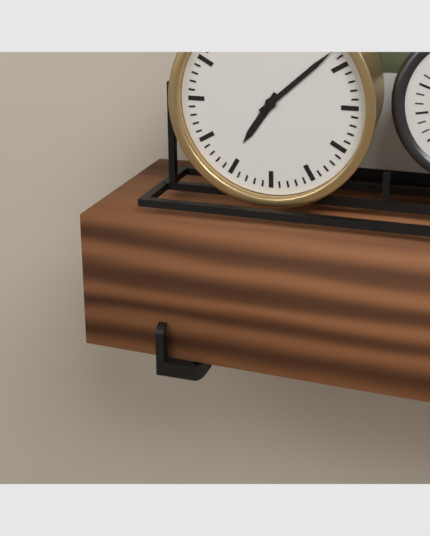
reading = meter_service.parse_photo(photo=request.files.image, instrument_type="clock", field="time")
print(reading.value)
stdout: 7:08
